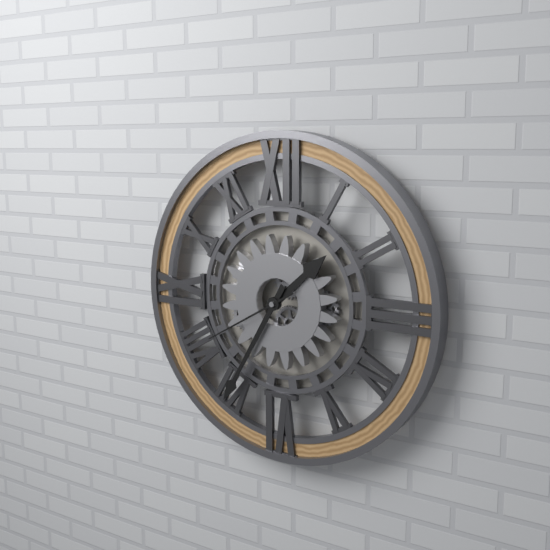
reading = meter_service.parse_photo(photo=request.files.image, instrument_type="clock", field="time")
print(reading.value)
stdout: 1:35:40
